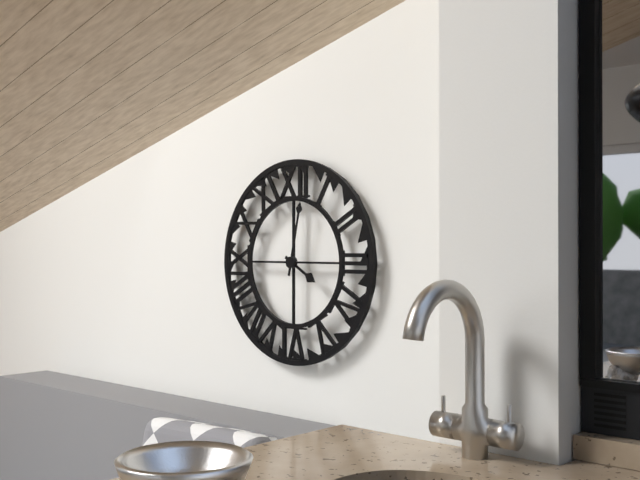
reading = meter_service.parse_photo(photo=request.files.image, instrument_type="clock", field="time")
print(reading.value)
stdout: 4:02
